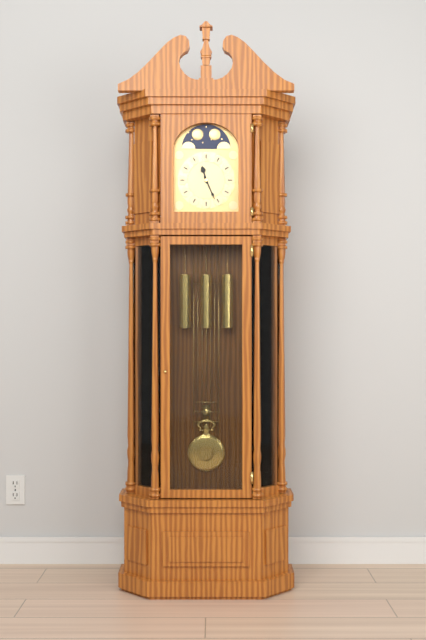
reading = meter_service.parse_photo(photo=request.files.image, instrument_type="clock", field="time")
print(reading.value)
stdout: 11:26
